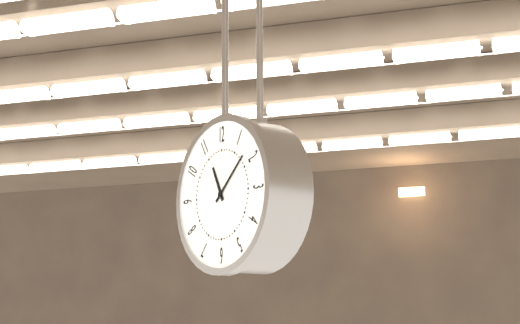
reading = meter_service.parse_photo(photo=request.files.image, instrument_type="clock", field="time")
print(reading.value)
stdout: 11:08
